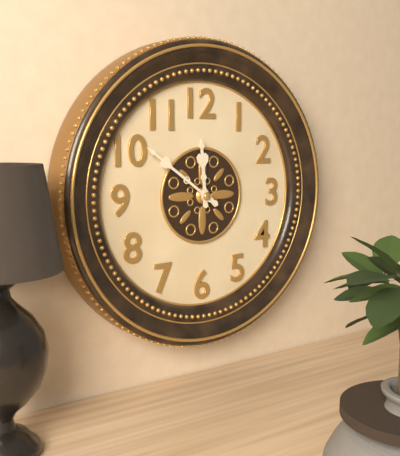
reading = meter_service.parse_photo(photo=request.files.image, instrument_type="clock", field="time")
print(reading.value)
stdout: 11:51
